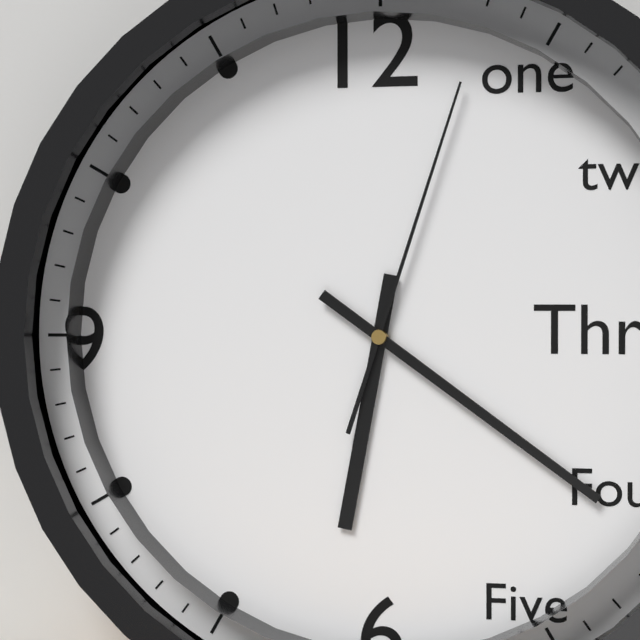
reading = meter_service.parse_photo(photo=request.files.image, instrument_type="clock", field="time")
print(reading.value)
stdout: 6:21:03
